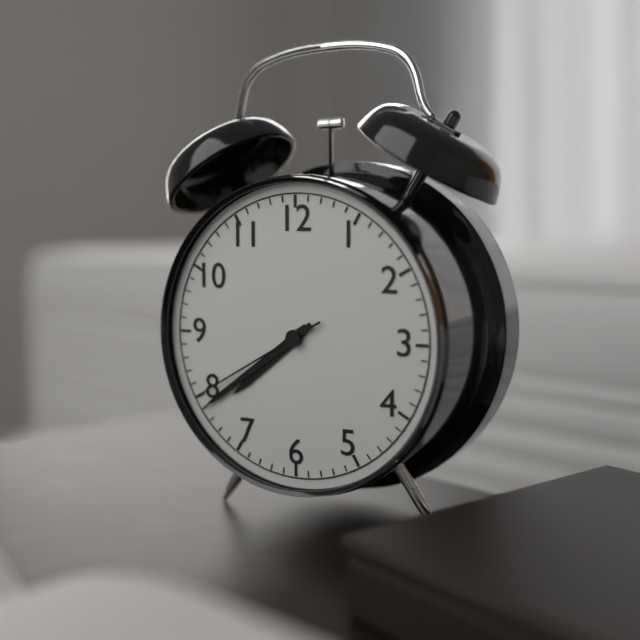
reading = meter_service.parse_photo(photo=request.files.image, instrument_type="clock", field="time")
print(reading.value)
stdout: 7:39:40
